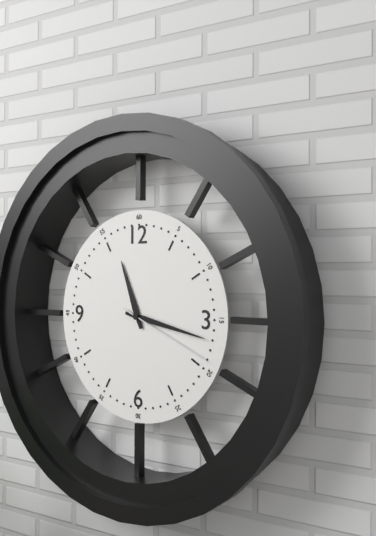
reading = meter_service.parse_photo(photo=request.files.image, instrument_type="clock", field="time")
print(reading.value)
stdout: 11:17:19
